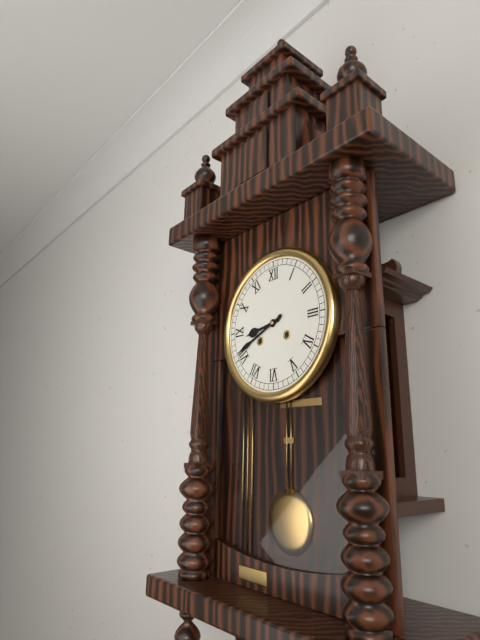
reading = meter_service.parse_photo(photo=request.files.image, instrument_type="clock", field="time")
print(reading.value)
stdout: 8:41
